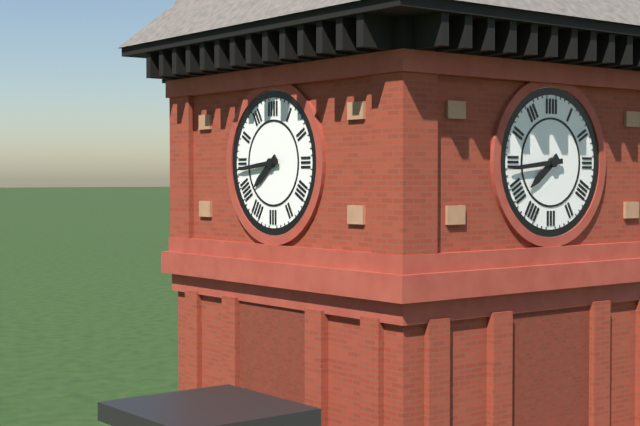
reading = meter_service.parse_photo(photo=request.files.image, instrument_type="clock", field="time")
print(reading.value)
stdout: 7:44
